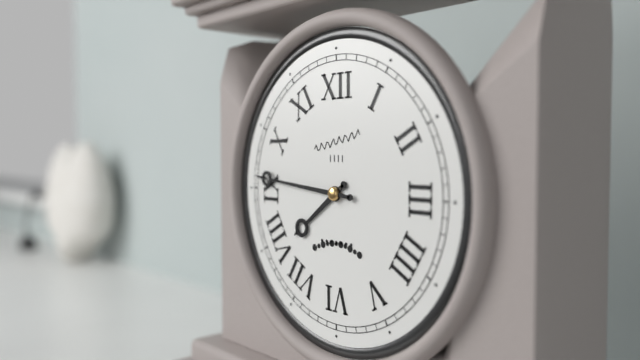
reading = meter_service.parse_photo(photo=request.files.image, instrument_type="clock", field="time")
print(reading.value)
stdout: 7:46
